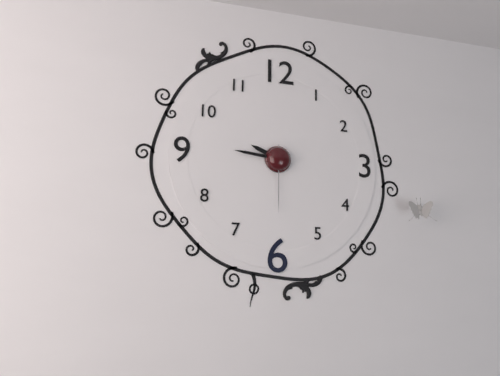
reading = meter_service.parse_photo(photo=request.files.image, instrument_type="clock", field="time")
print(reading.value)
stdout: 9:46:30
